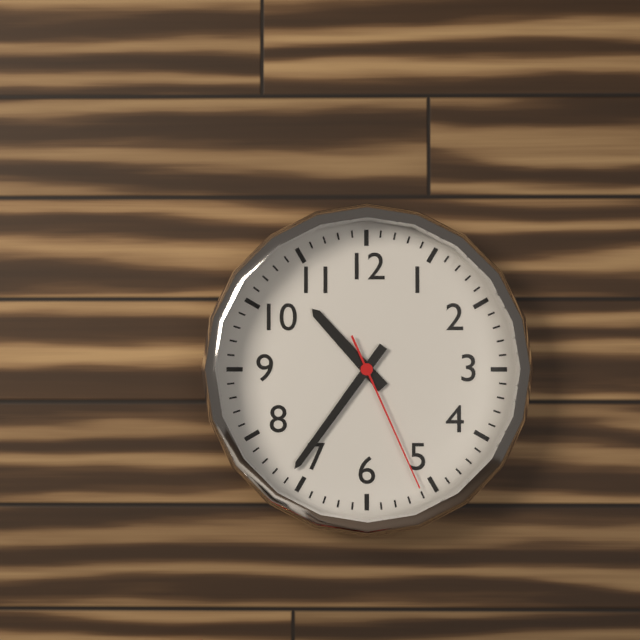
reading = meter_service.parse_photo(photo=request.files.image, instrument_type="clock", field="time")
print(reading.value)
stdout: 10:36:26
